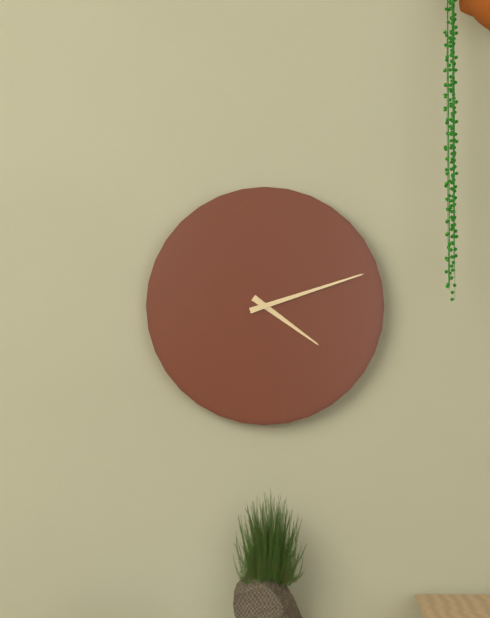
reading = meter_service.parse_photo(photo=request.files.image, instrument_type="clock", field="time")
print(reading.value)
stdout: 4:12
